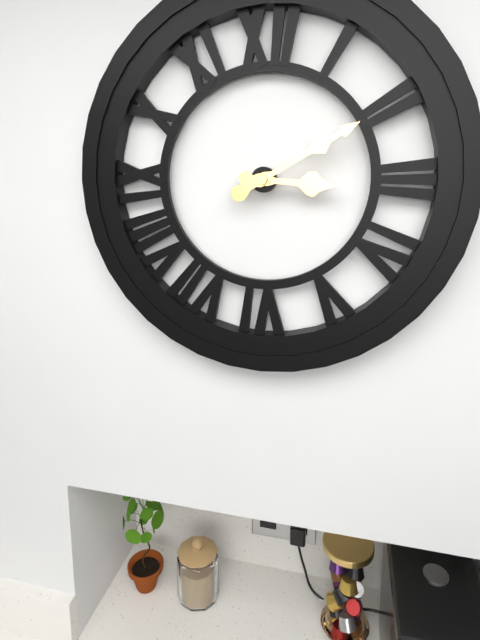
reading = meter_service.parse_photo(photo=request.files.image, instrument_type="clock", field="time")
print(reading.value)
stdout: 3:10
